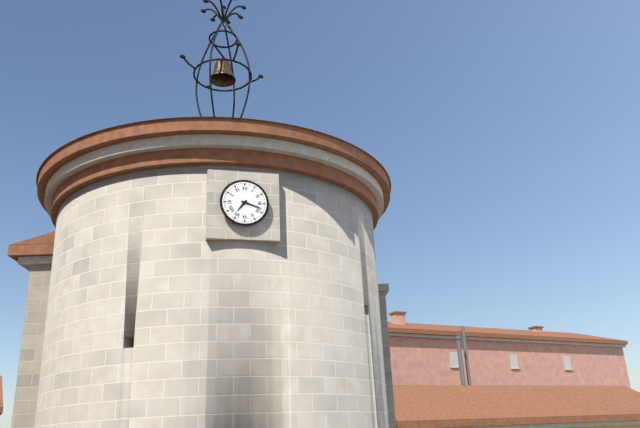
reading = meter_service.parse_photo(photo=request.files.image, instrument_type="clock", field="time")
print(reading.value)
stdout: 7:18
